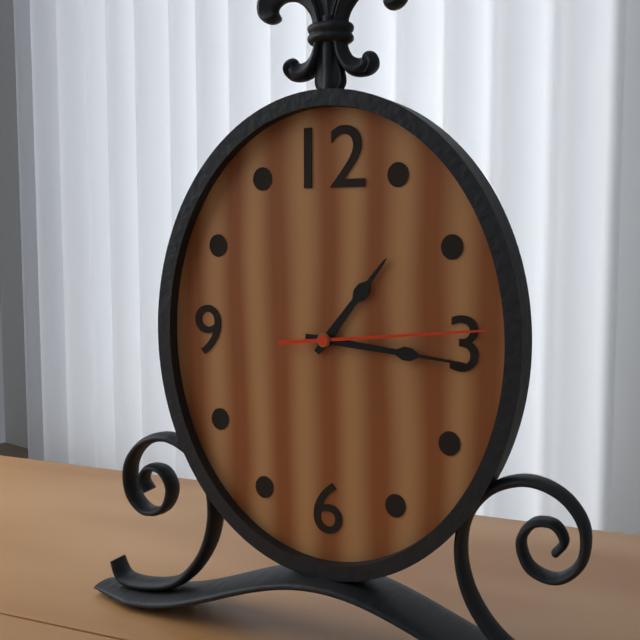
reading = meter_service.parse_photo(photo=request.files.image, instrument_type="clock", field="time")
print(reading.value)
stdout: 1:16:14
